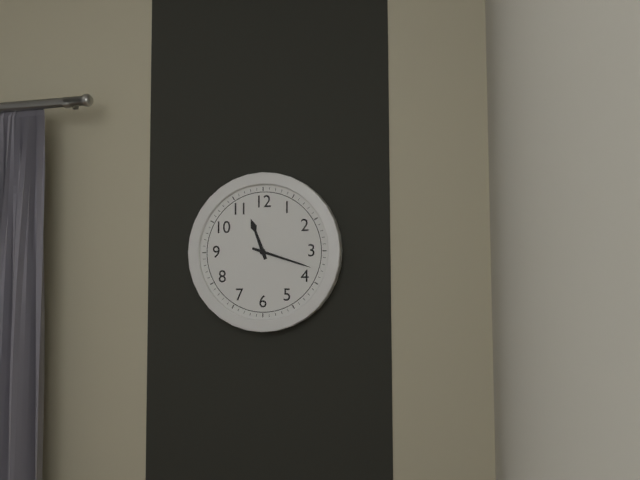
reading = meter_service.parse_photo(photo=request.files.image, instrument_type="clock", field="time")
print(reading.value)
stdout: 11:18
